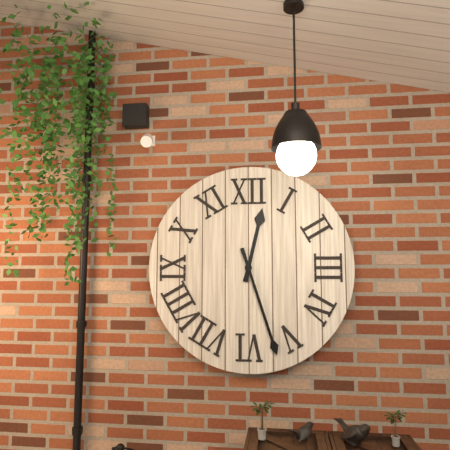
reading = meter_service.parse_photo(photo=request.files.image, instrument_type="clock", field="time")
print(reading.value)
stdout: 12:27
